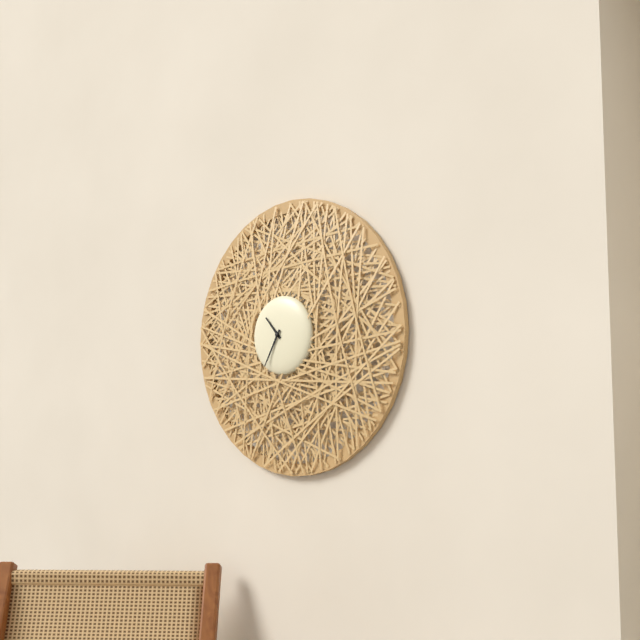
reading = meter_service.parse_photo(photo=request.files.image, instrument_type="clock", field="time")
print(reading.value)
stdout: 10:35
